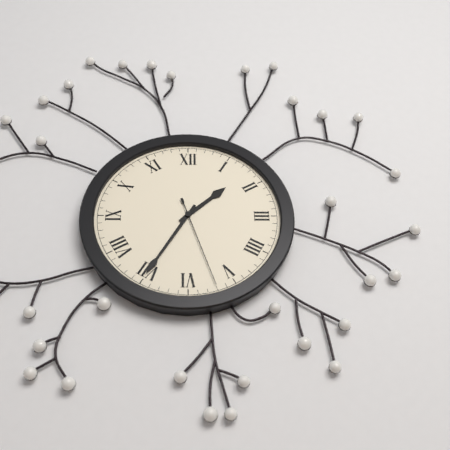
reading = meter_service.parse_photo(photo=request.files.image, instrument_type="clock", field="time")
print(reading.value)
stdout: 1:35:27
